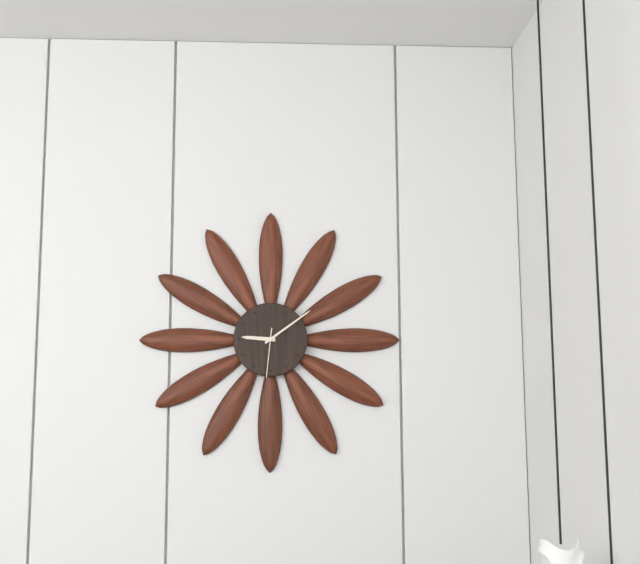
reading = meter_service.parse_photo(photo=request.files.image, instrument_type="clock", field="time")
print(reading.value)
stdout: 9:09
